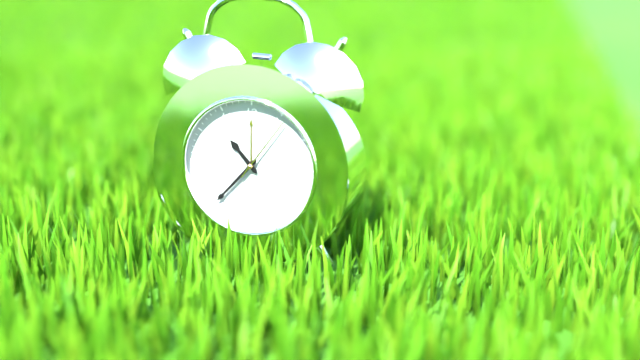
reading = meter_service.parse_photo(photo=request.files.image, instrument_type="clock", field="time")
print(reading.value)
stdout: 10:37:06
